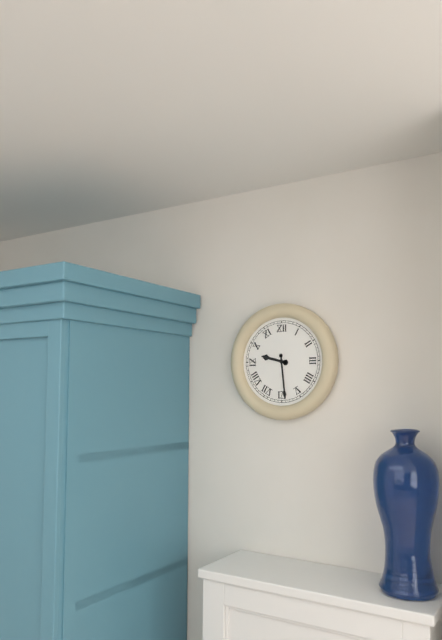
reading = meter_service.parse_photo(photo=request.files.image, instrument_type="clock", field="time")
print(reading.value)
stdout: 9:29
